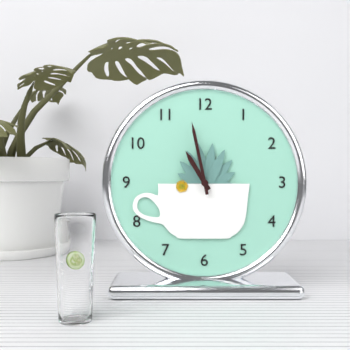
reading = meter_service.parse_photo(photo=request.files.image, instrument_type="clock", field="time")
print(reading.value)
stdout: 10:58
